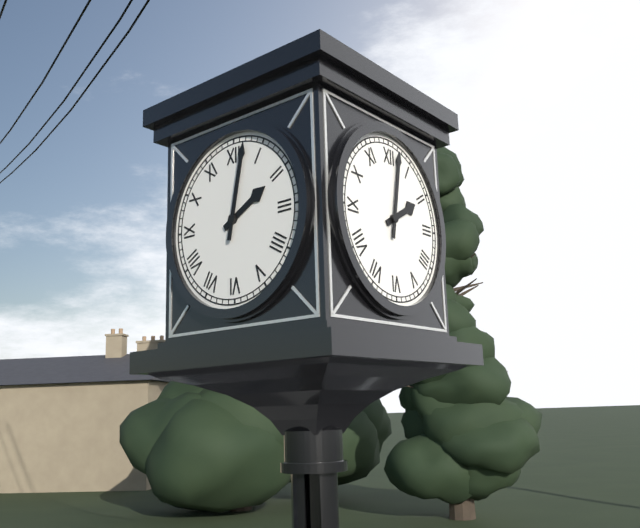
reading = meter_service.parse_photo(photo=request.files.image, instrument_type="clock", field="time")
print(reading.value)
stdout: 2:02
